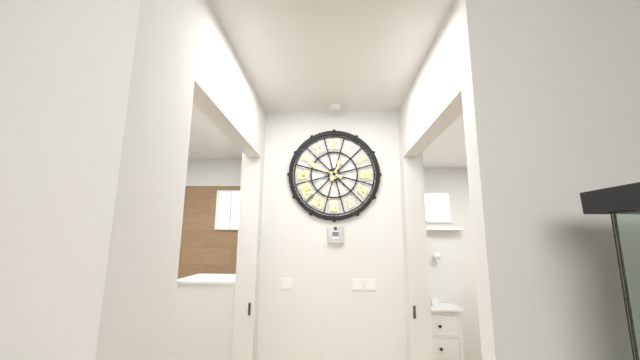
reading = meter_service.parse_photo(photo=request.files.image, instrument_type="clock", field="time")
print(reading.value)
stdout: 12:49
